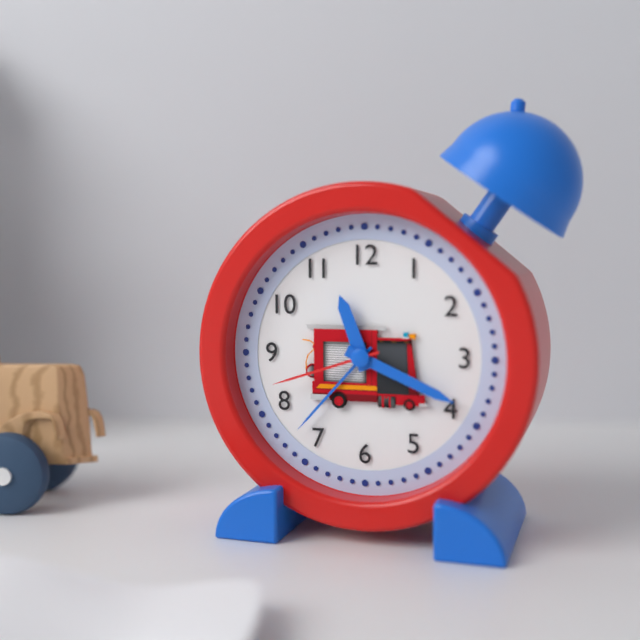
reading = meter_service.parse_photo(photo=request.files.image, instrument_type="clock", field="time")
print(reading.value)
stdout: 11:19:42
